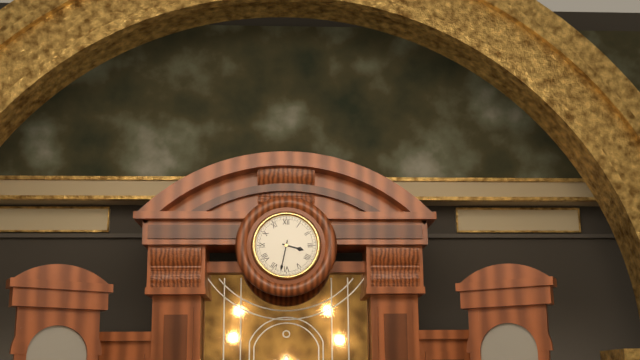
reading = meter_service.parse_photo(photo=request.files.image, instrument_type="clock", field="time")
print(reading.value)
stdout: 3:32
